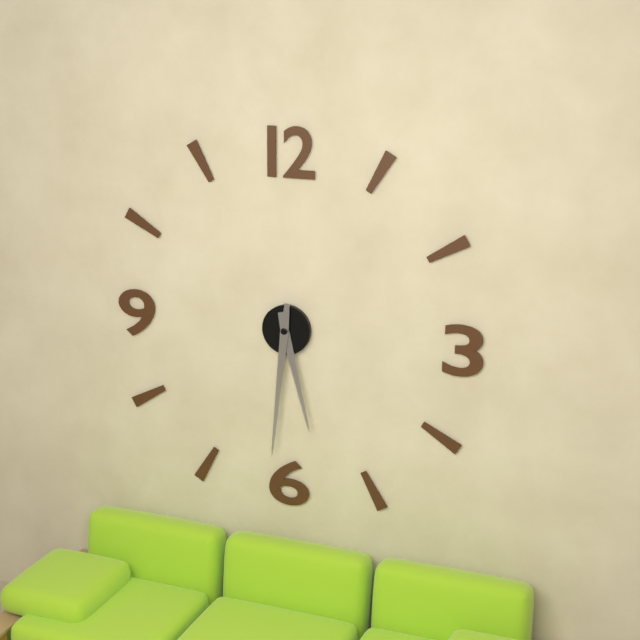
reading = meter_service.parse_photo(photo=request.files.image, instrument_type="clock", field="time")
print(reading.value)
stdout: 5:31
